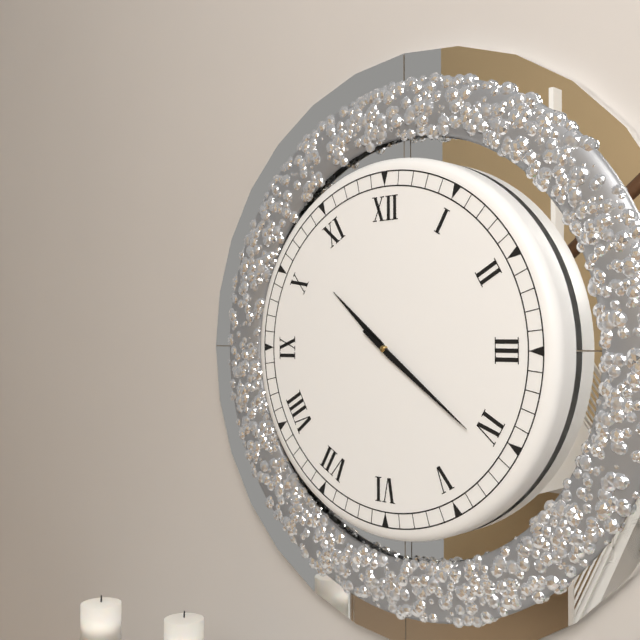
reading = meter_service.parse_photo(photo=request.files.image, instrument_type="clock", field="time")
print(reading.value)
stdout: 10:21
